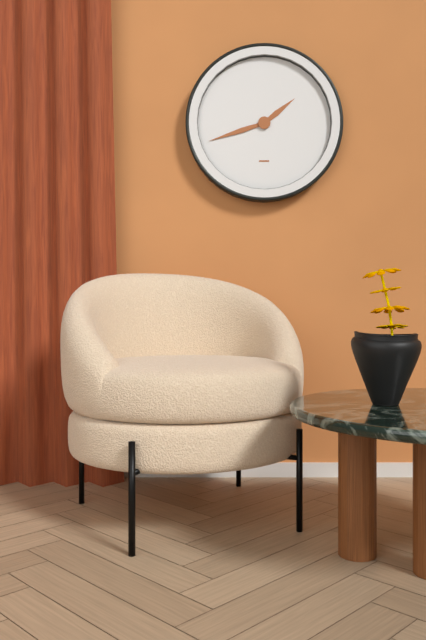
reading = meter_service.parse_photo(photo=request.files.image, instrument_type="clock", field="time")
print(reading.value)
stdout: 1:42
